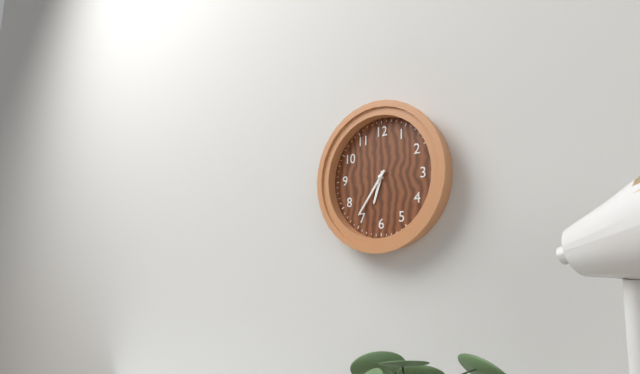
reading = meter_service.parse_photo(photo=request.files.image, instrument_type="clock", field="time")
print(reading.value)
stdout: 6:36
